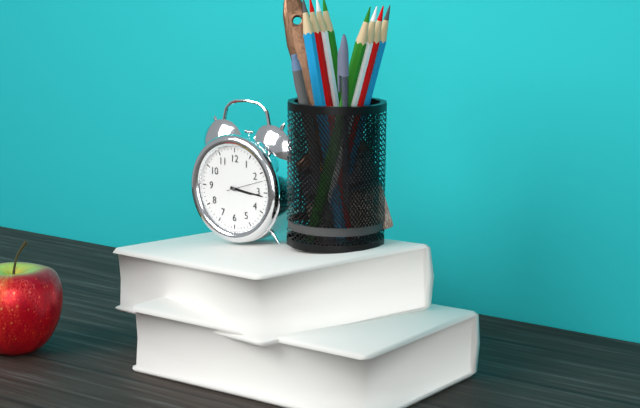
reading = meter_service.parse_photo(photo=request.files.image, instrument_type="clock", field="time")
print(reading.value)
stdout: 3:16
